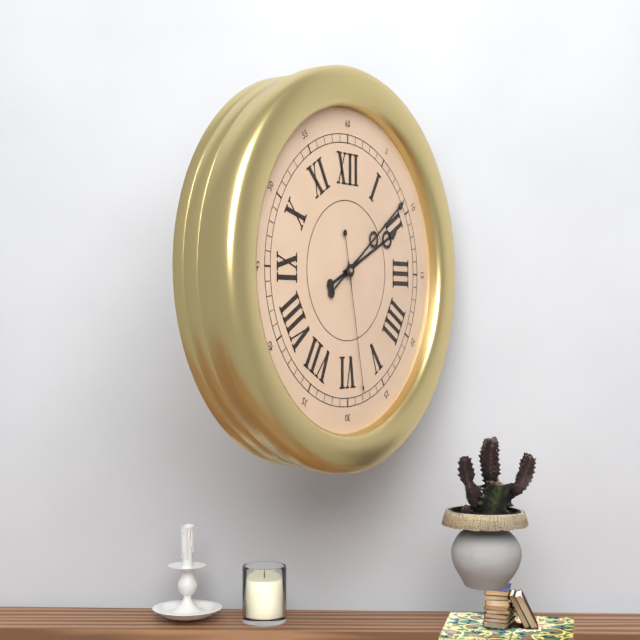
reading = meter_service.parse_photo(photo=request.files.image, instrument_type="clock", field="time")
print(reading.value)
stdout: 2:09:28
